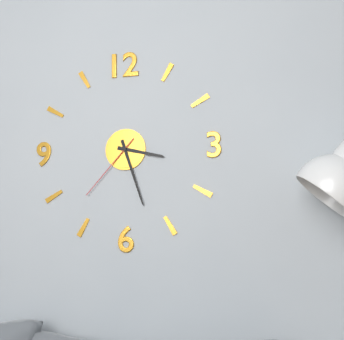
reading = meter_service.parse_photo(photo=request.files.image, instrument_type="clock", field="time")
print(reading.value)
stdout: 3:27:37
